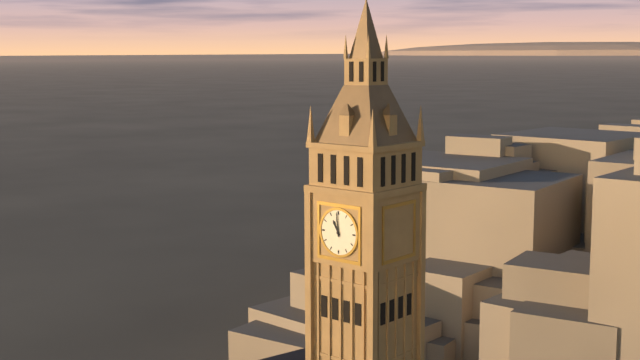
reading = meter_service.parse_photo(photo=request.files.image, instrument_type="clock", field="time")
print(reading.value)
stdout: 10:59
